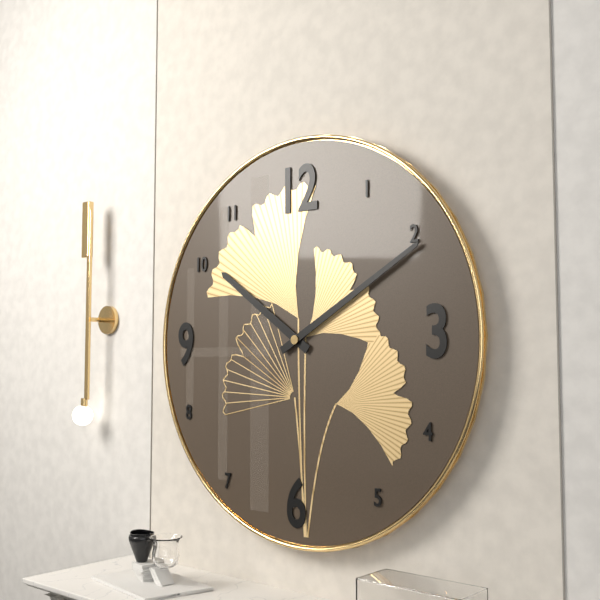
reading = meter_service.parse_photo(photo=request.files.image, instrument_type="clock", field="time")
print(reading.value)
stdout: 10:10
